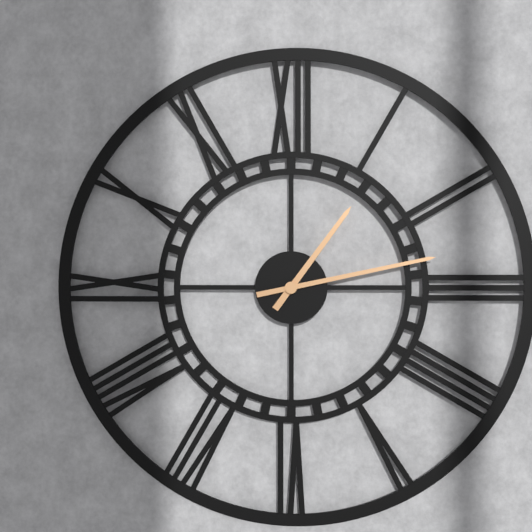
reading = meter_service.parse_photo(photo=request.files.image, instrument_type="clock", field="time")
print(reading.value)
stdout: 1:13
